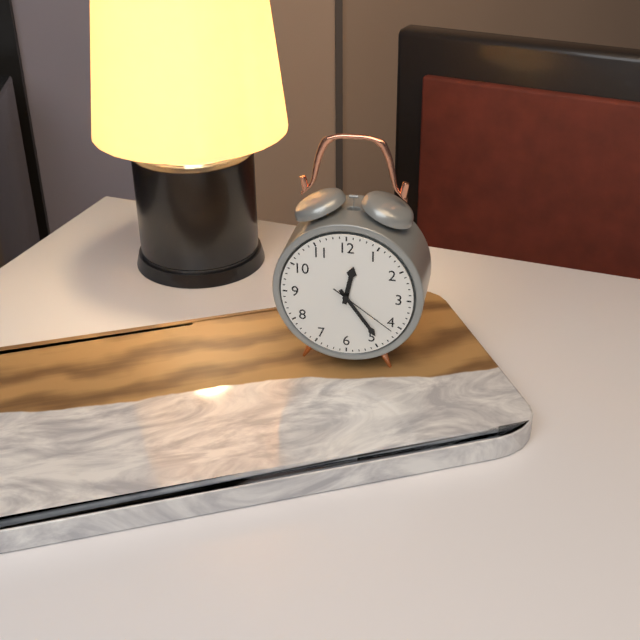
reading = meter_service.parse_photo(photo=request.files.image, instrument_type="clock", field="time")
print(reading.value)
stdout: 12:24:21
